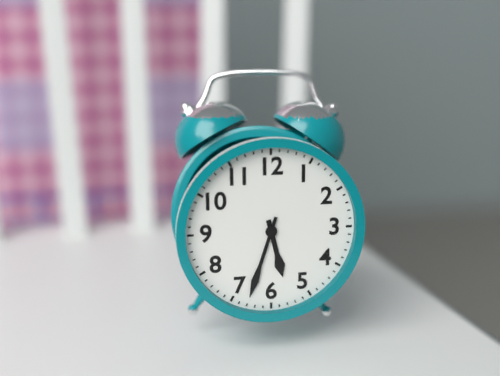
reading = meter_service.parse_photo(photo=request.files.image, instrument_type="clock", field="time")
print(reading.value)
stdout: 5:33
